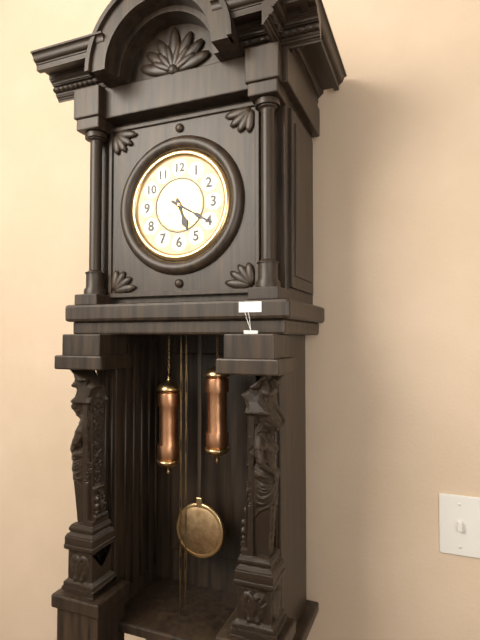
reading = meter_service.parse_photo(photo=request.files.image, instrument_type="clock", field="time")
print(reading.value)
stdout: 5:20
